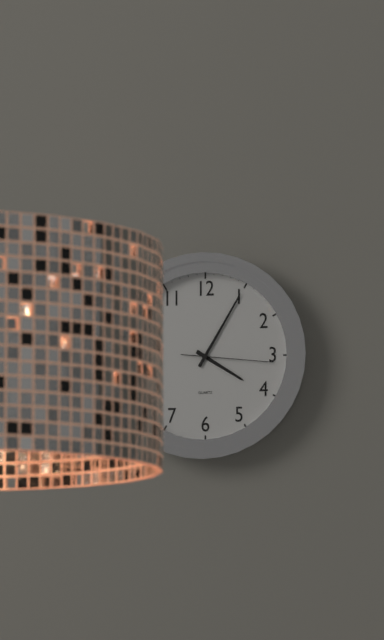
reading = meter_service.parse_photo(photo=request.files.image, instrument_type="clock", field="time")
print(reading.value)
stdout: 4:05:16
